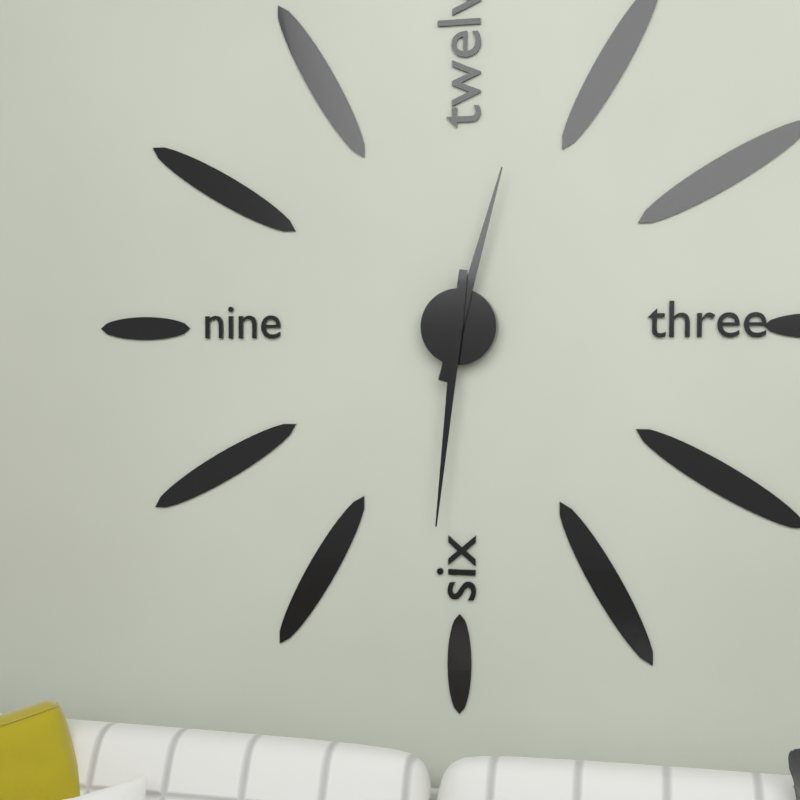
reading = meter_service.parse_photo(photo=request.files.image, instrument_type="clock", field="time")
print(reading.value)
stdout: 12:31
